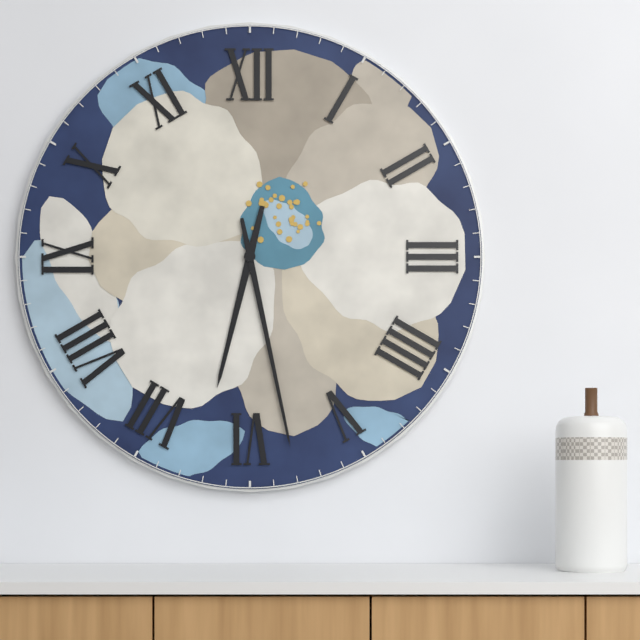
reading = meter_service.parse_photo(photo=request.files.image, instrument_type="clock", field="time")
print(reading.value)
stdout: 6:28
